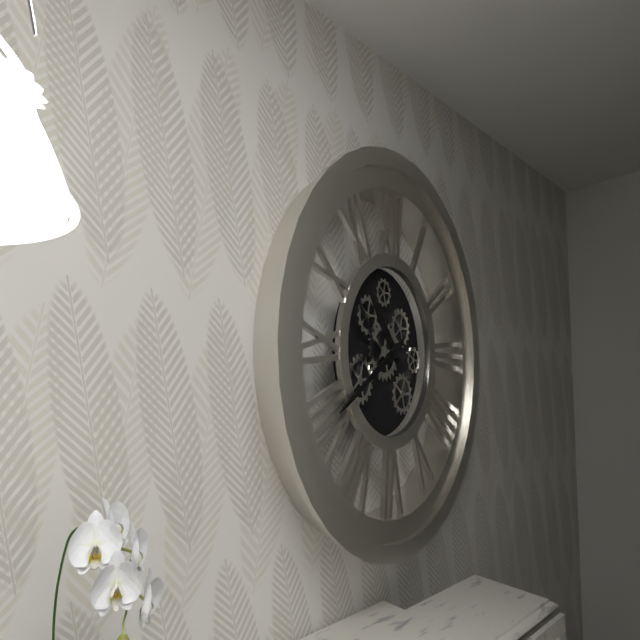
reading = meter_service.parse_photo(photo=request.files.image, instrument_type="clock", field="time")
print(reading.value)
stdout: 10:40
